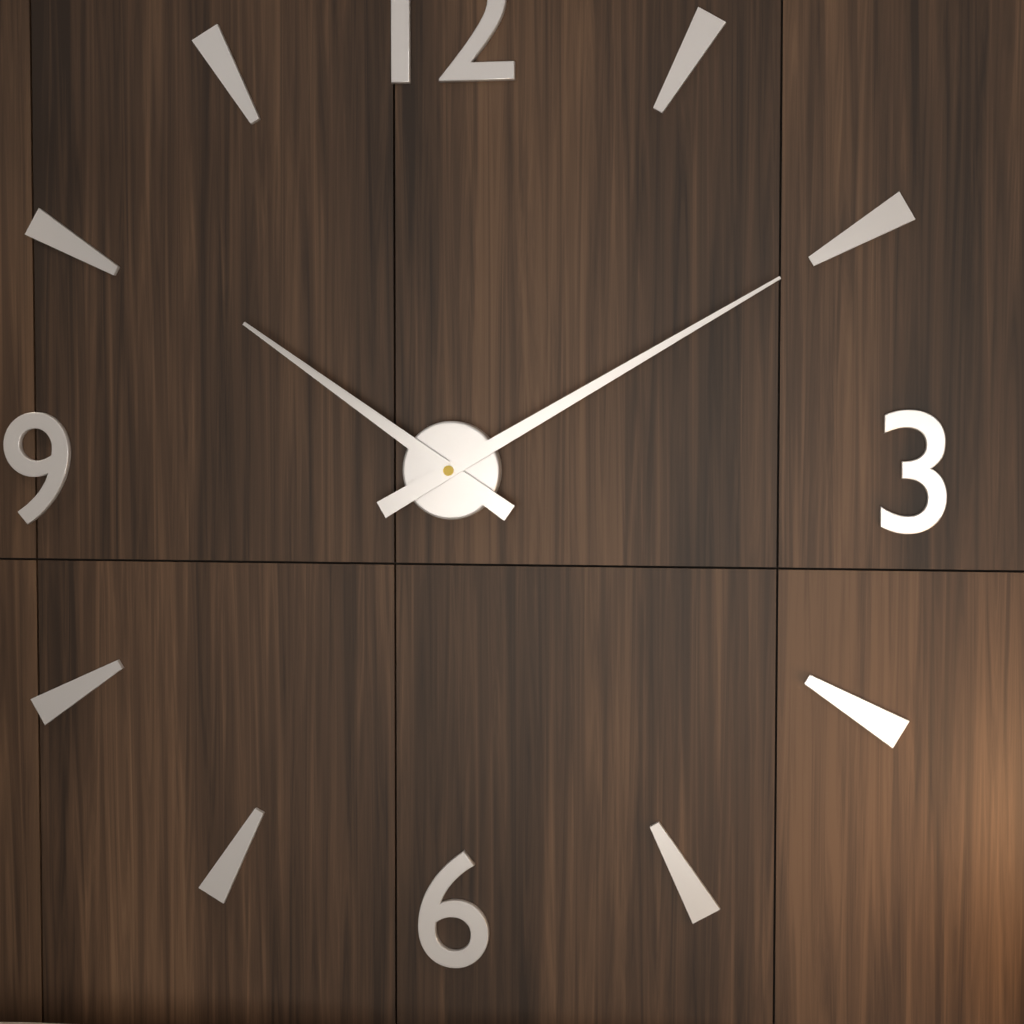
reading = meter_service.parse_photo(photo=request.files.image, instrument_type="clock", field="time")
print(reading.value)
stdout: 10:10
